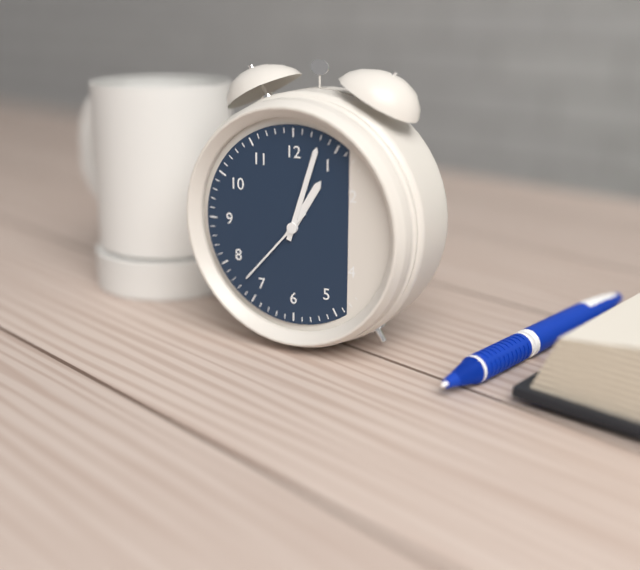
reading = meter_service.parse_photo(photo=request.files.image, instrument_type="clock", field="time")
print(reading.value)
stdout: 1:03:37
